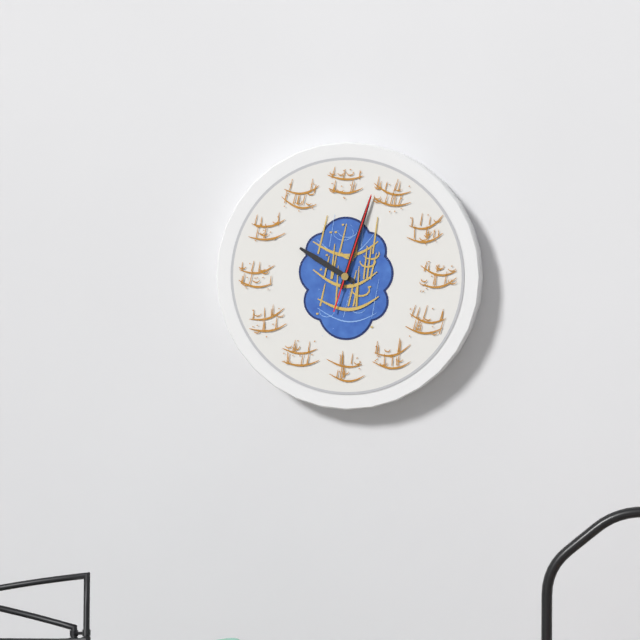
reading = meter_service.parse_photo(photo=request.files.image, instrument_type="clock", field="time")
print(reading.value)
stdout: 10:03:03
